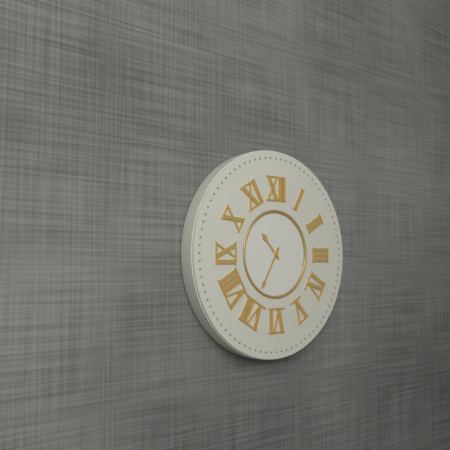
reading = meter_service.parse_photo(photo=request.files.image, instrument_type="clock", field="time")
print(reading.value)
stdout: 10:35
